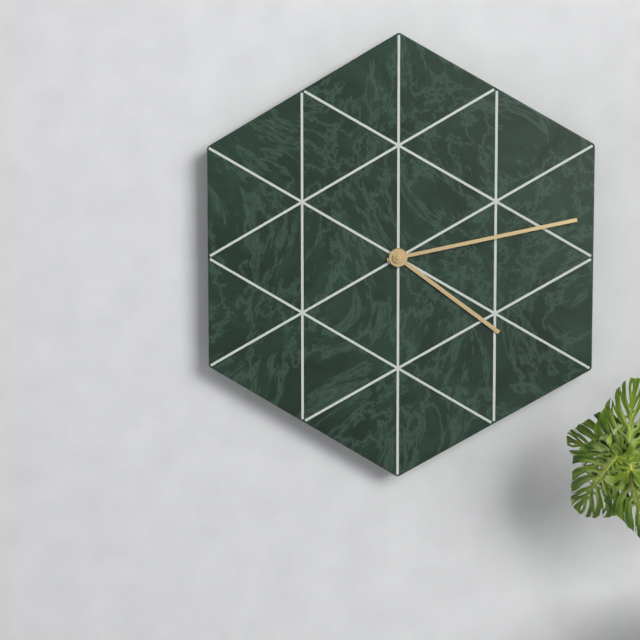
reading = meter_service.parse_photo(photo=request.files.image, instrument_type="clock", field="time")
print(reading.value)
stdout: 4:13
